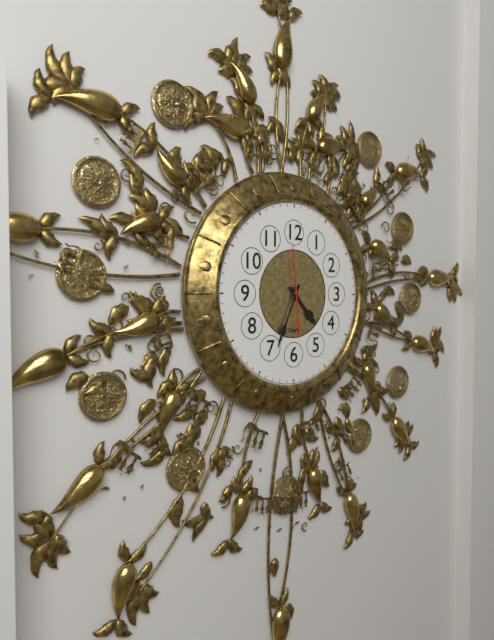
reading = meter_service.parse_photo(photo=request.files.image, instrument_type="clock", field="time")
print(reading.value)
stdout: 4:34:59
